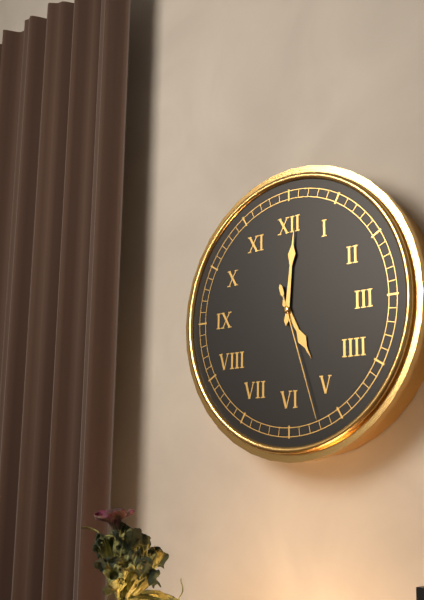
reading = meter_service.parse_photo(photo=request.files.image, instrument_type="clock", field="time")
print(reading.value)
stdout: 5:01:27
